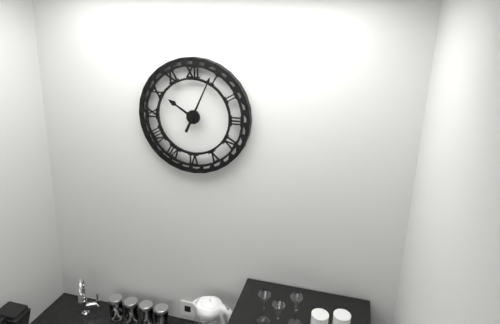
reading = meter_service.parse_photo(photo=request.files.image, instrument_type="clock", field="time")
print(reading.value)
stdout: 10:04
